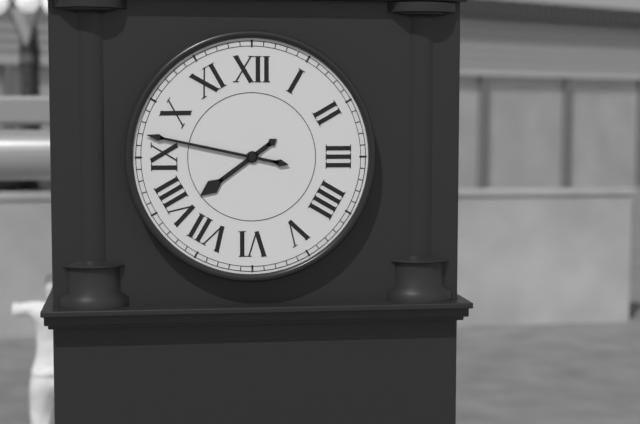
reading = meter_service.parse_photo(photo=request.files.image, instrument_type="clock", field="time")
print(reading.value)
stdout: 7:47
